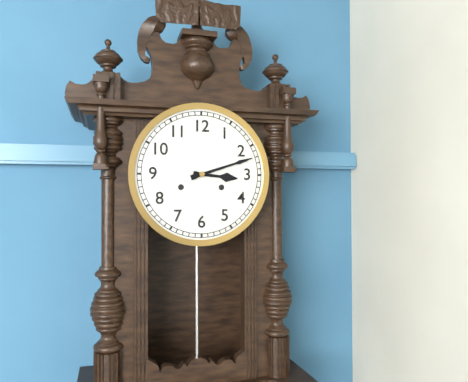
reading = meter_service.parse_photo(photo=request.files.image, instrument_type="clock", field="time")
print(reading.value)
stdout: 3:12
